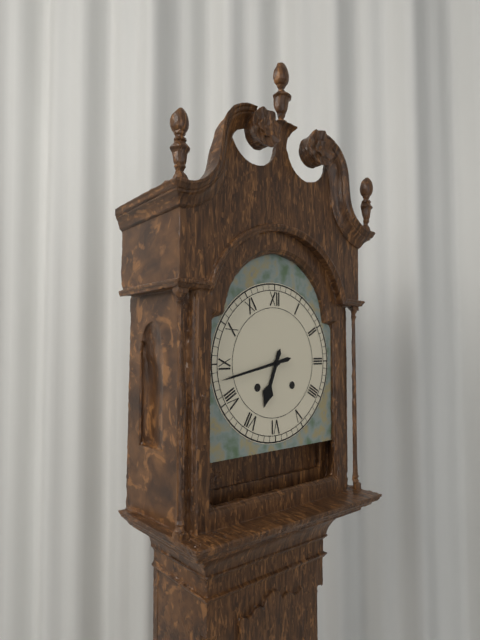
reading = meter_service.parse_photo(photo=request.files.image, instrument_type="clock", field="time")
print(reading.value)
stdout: 6:43
